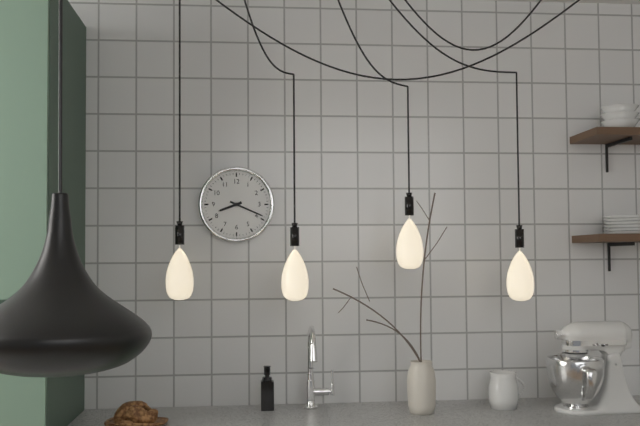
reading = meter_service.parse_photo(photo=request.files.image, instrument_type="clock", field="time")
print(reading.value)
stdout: 8:19
